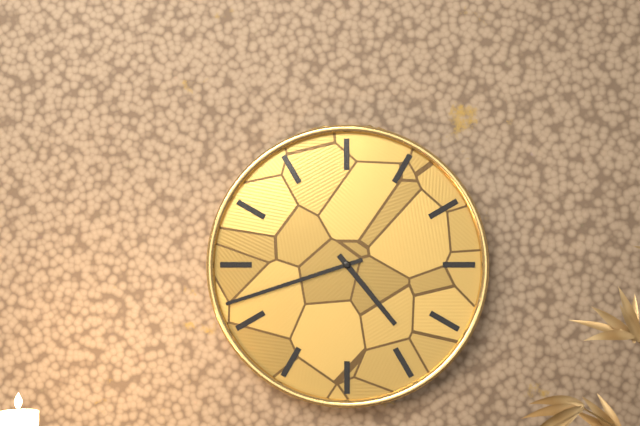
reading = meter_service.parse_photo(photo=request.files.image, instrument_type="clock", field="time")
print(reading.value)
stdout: 4:42
